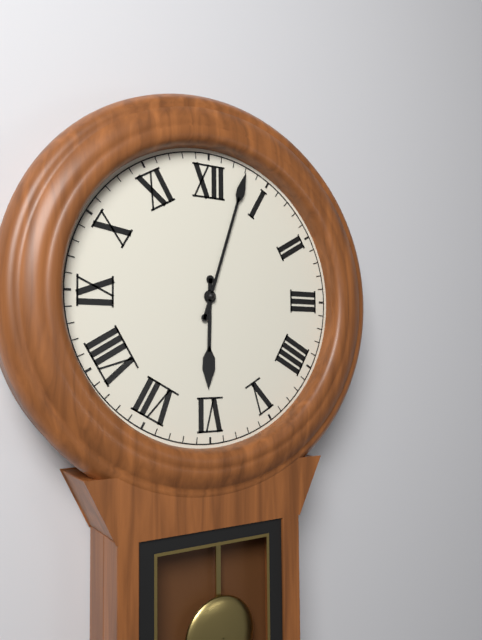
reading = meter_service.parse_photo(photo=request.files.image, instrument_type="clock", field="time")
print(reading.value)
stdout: 6:03
